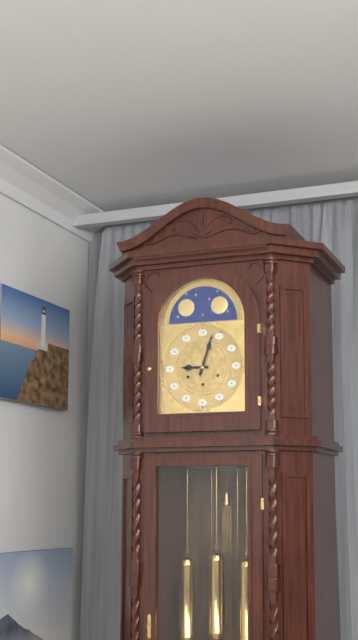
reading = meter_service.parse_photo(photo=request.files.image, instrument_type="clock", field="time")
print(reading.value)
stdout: 9:03
